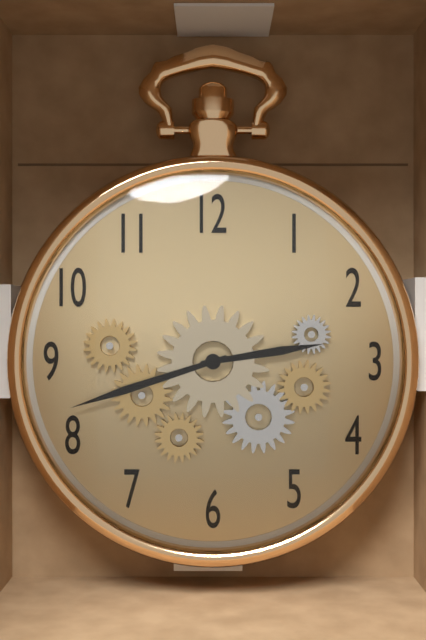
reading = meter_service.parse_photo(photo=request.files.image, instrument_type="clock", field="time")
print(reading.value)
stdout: 2:42
